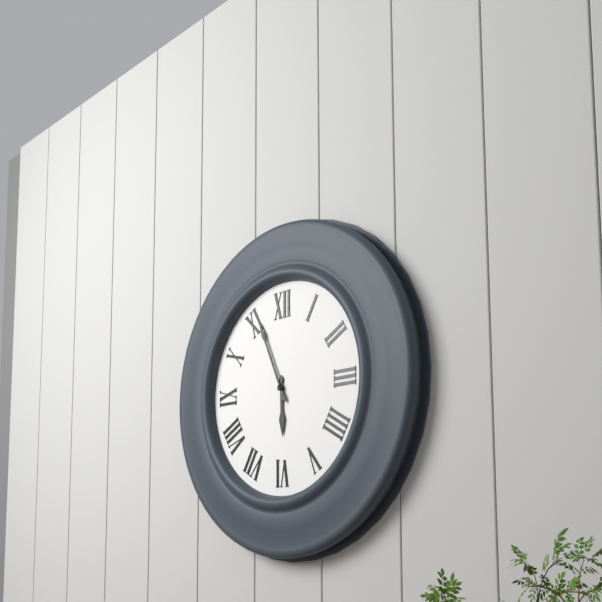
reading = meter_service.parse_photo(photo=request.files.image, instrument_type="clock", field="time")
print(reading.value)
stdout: 5:56
